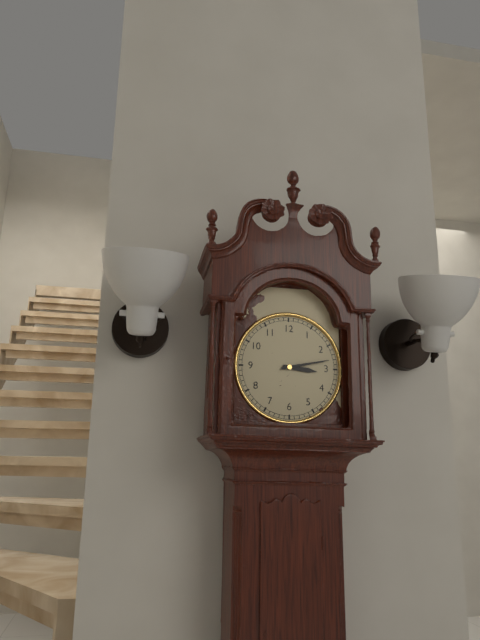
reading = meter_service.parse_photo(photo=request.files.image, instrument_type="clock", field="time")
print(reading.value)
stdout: 3:13
